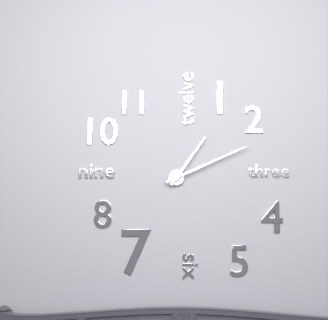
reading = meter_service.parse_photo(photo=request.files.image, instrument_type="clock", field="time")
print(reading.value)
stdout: 1:11
